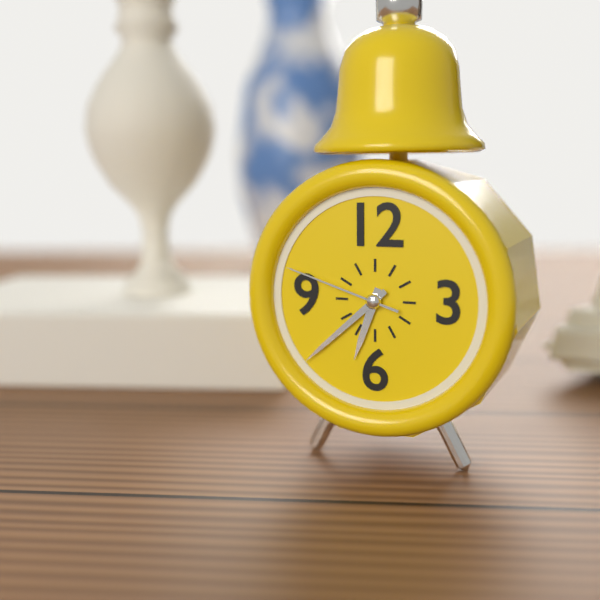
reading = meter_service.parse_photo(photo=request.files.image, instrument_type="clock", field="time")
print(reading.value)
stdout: 6:38:48
